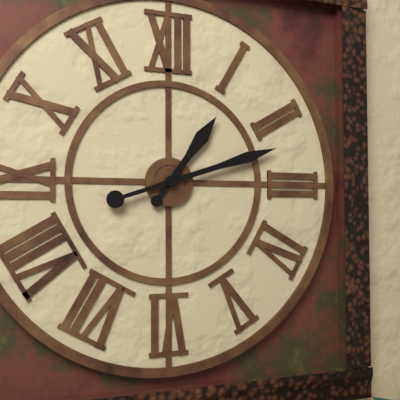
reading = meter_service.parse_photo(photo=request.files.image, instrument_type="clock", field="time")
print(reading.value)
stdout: 1:12
